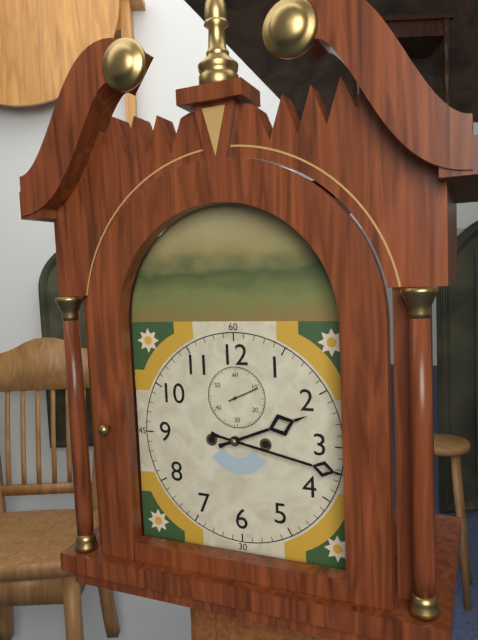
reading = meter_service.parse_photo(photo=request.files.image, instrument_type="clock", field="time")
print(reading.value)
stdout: 2:17
